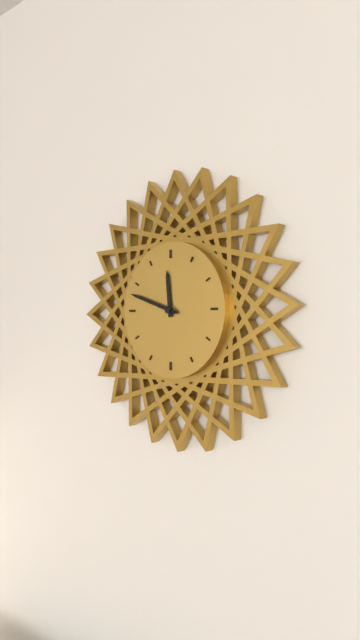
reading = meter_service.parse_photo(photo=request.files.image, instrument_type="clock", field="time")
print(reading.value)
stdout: 11:48
